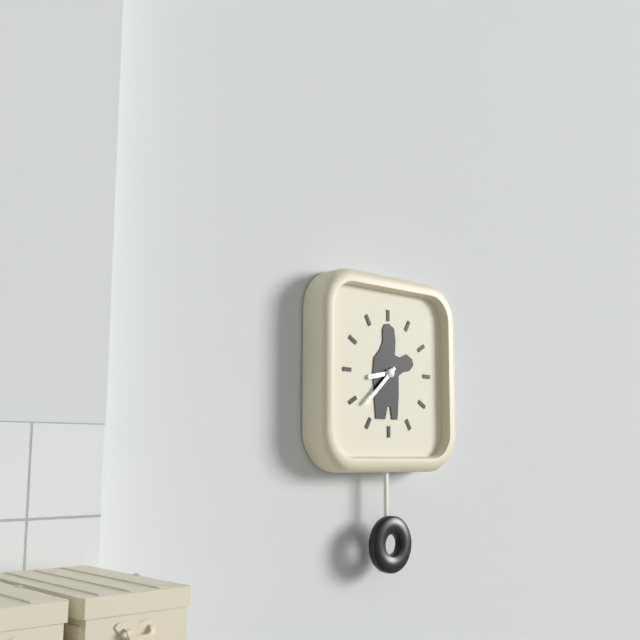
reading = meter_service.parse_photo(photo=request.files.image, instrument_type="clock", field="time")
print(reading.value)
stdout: 8:38
